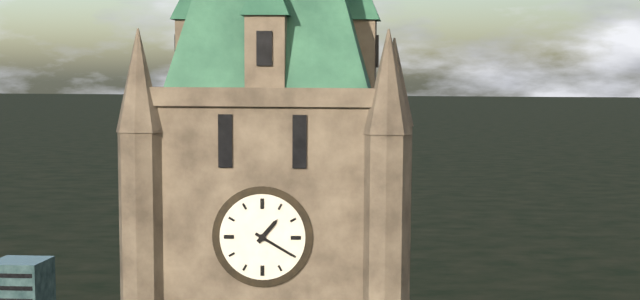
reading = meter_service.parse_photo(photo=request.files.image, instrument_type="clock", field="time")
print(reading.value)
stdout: 1:20
